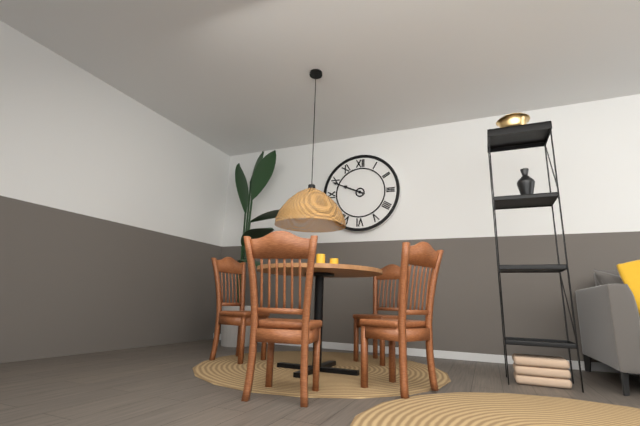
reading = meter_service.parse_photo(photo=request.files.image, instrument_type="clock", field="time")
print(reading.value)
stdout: 9:49
